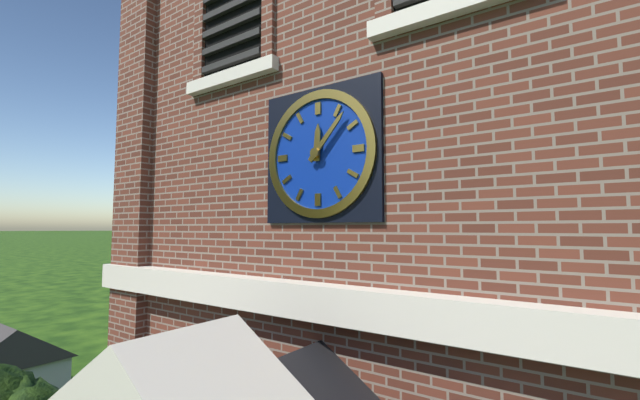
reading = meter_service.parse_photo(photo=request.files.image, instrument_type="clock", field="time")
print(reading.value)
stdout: 12:07
